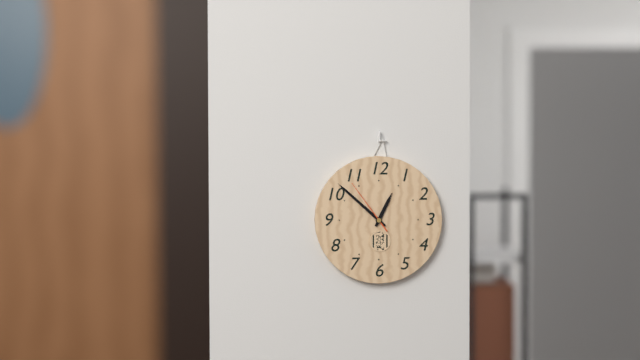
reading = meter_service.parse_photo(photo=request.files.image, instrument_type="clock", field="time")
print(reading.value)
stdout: 12:52:54
